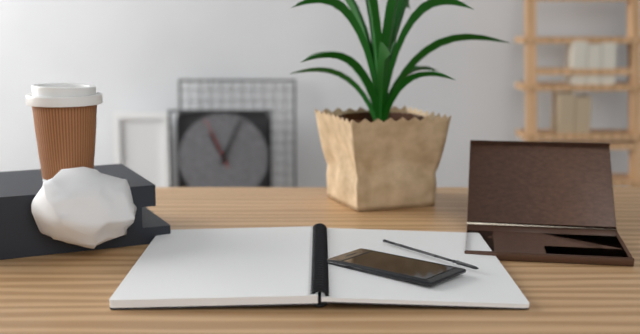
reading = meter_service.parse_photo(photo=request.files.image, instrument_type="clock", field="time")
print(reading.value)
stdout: 11:04:56
